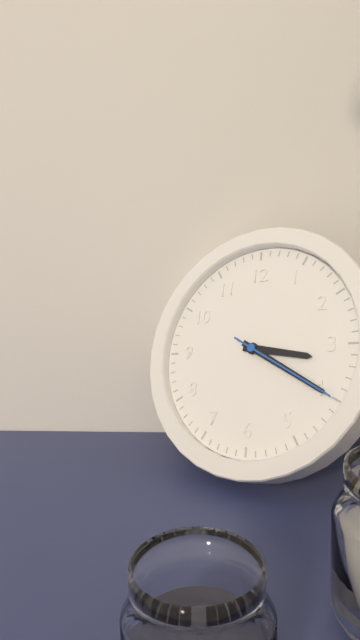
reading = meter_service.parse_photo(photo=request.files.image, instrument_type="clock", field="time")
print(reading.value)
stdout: 3:20:20
